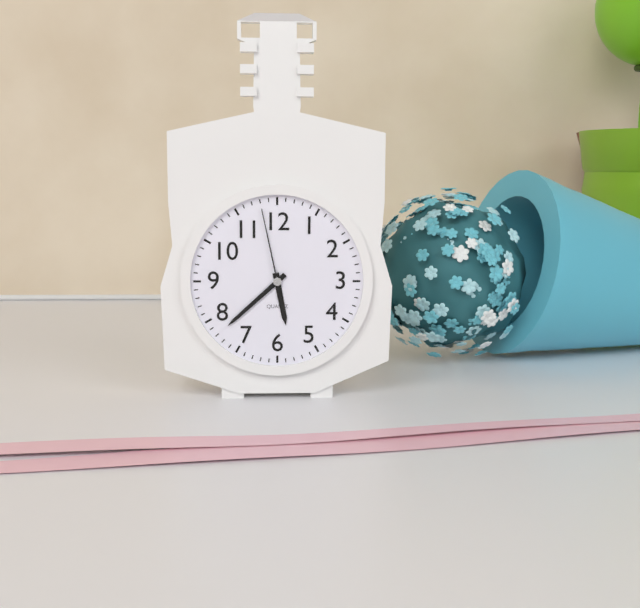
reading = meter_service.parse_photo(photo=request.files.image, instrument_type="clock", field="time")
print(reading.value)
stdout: 5:38:58
